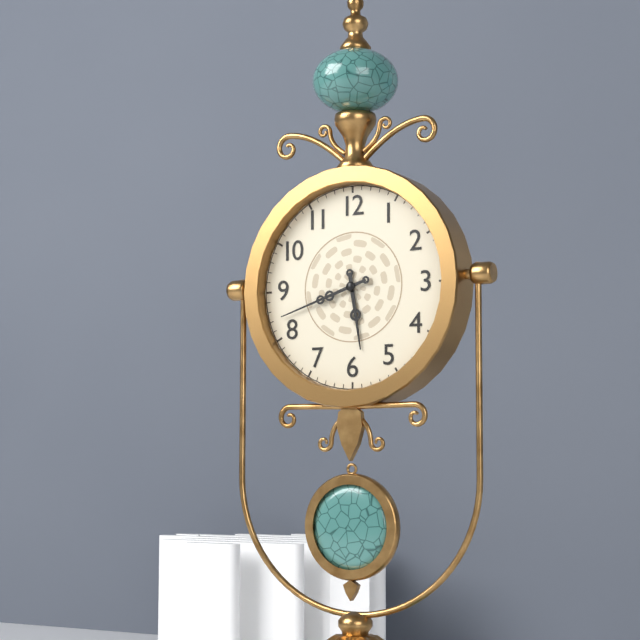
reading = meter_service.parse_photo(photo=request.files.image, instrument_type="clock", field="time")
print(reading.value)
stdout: 5:42
